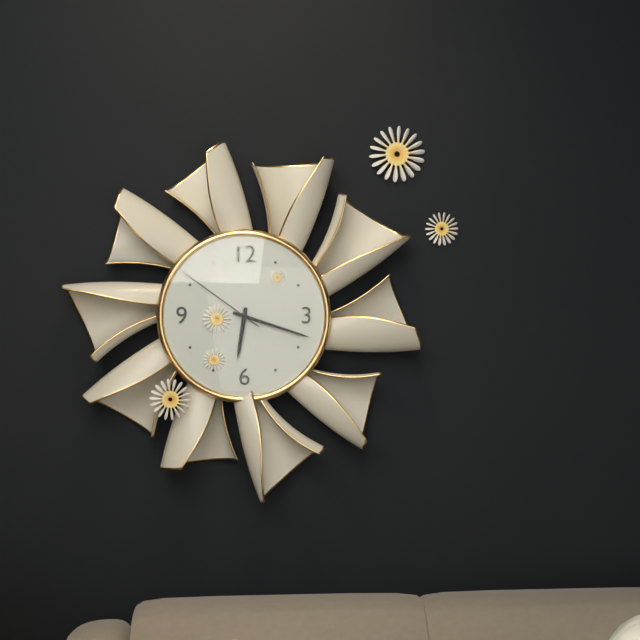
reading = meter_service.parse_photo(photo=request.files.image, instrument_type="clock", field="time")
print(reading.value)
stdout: 6:18:51
